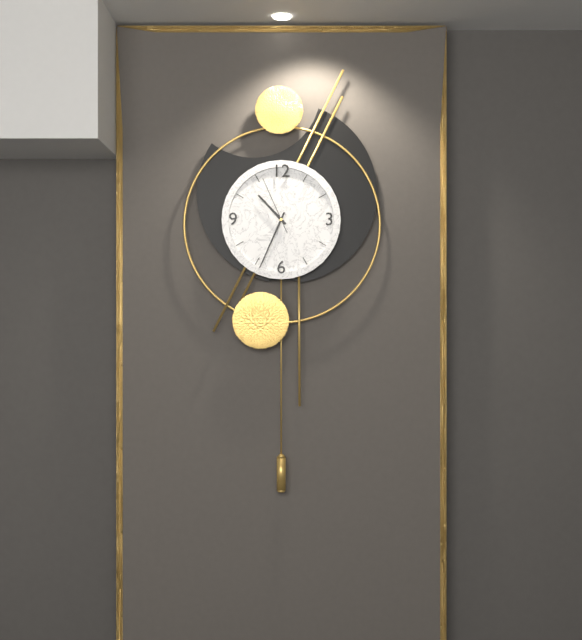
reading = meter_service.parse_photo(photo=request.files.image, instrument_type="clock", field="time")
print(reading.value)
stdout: 10:34:56
